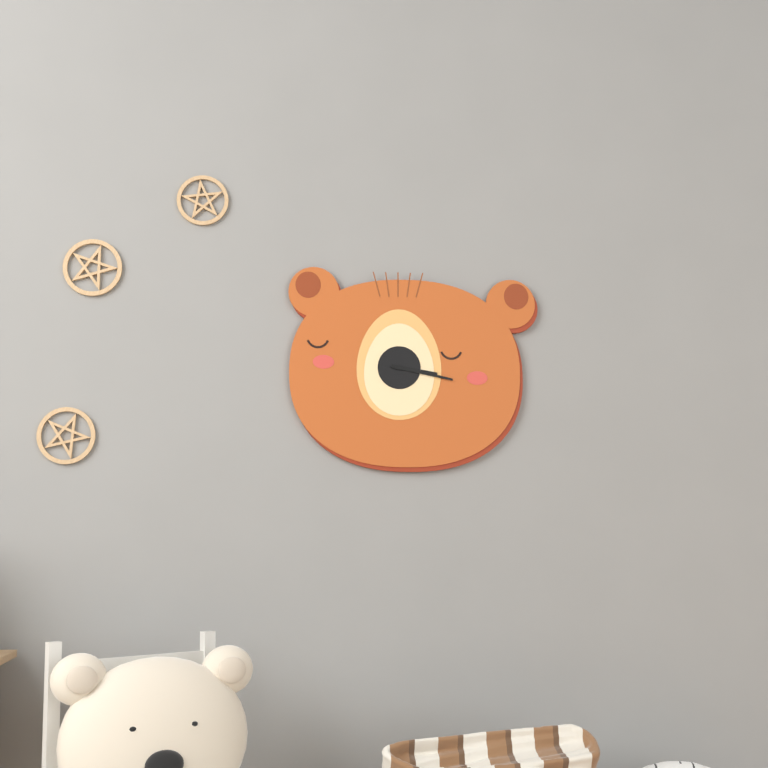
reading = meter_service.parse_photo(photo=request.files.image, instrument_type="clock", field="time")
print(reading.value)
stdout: 3:17
